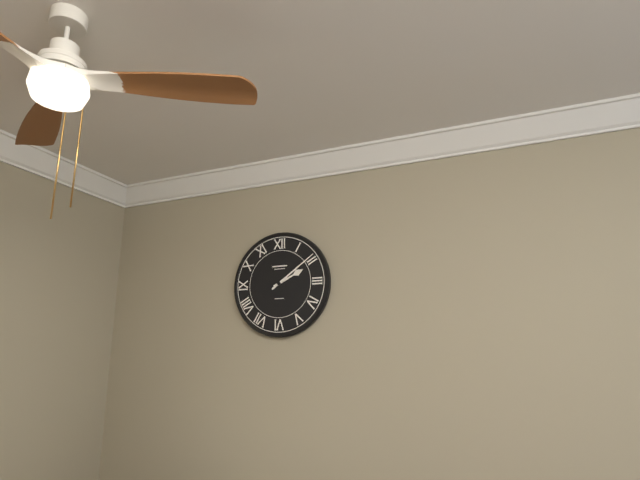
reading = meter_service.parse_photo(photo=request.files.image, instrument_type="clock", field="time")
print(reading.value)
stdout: 2:09
